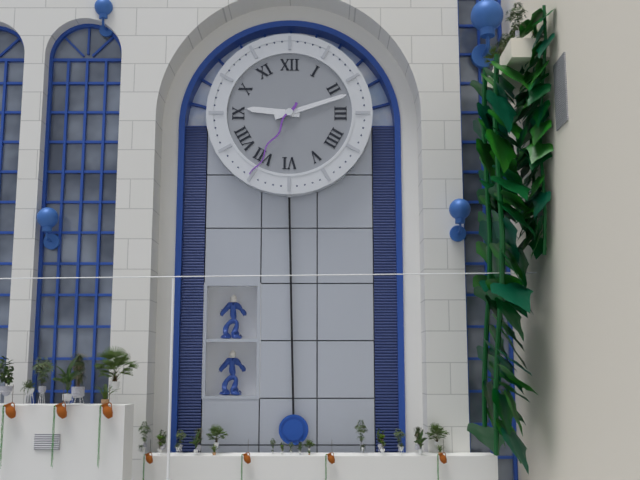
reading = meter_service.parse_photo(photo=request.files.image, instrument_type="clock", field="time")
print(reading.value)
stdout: 9:12:35
